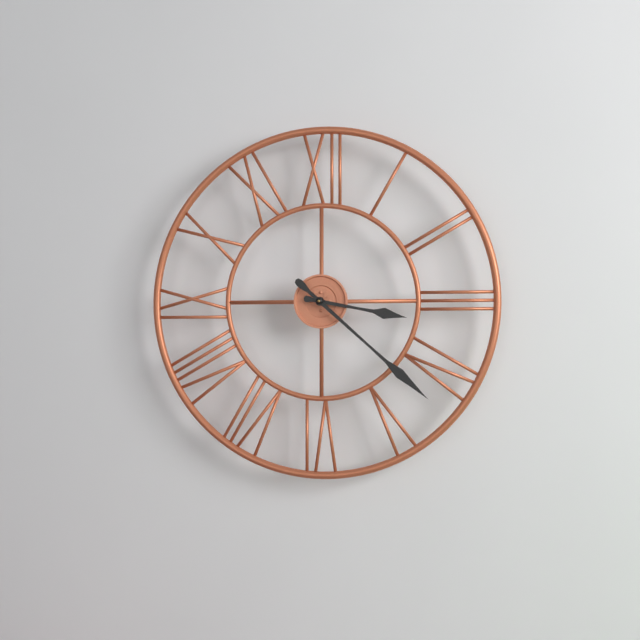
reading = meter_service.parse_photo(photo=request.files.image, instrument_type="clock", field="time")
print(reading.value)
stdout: 3:22
